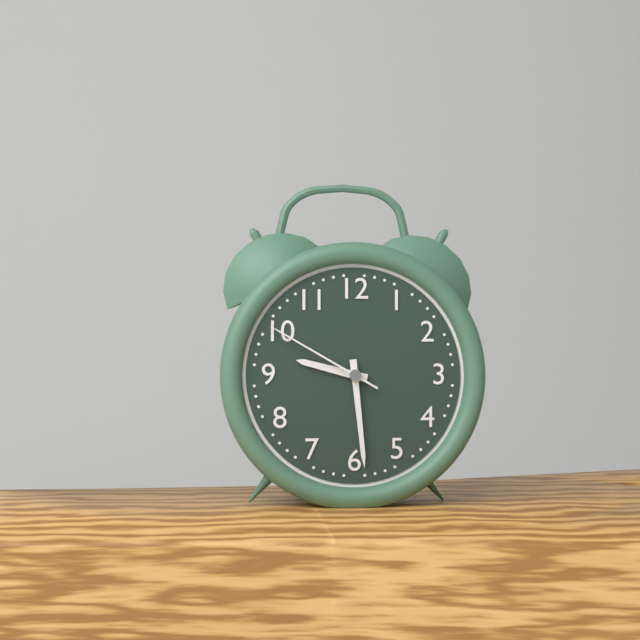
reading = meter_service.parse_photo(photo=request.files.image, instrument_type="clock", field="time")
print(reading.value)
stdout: 9:29:50
